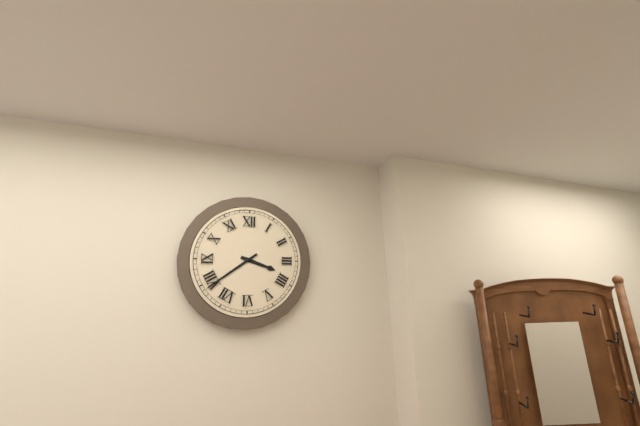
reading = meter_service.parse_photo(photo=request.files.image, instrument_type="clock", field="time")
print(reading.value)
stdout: 3:39
